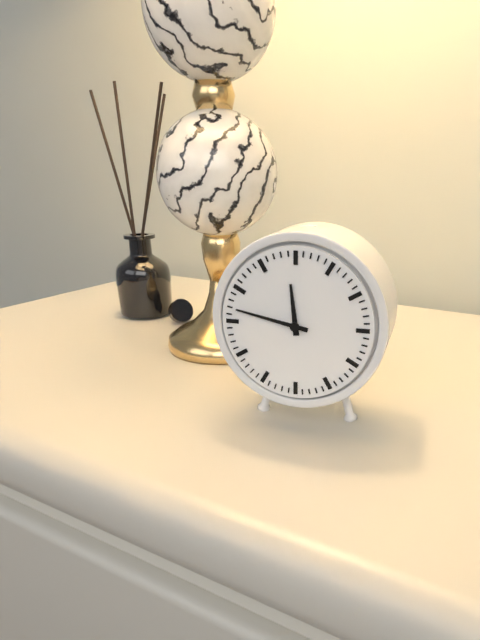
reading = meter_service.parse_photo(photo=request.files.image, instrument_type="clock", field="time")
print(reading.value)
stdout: 11:47
